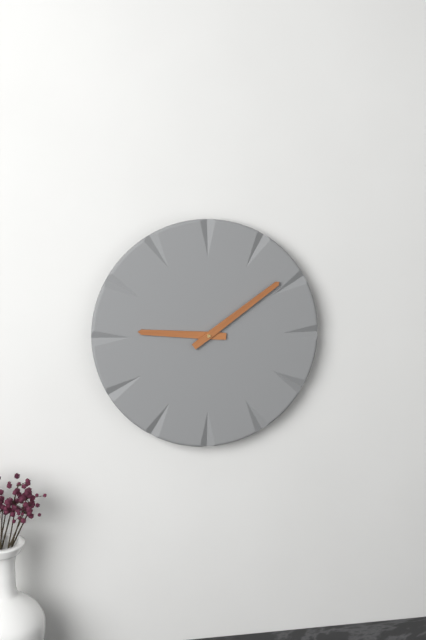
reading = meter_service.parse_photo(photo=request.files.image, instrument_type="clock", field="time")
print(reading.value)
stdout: 9:09
